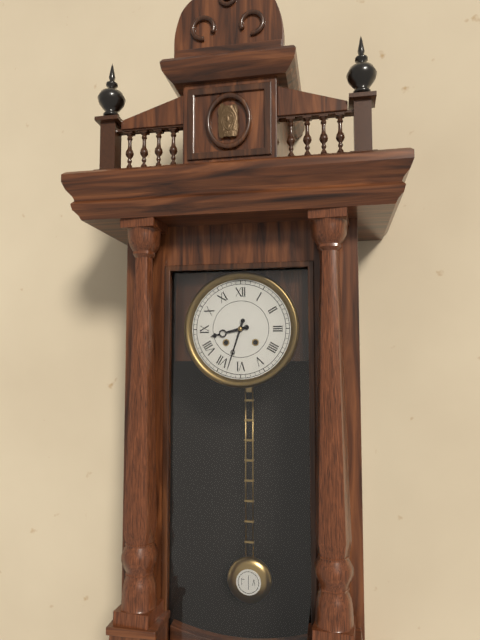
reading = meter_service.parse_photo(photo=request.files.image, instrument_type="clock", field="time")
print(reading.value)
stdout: 8:33
